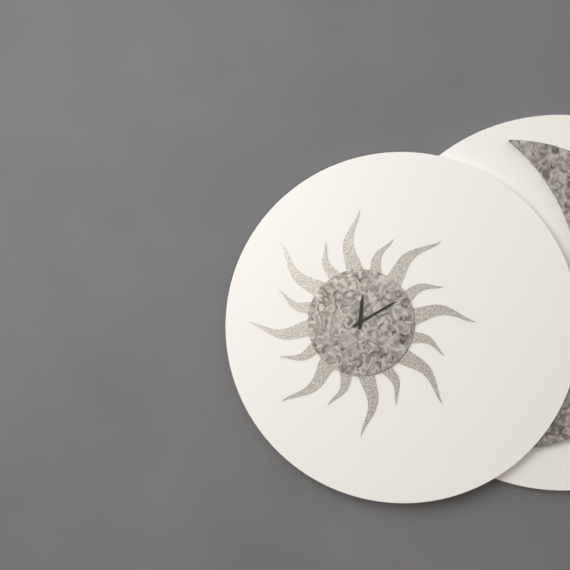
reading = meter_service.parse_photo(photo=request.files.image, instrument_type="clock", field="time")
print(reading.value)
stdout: 12:10
